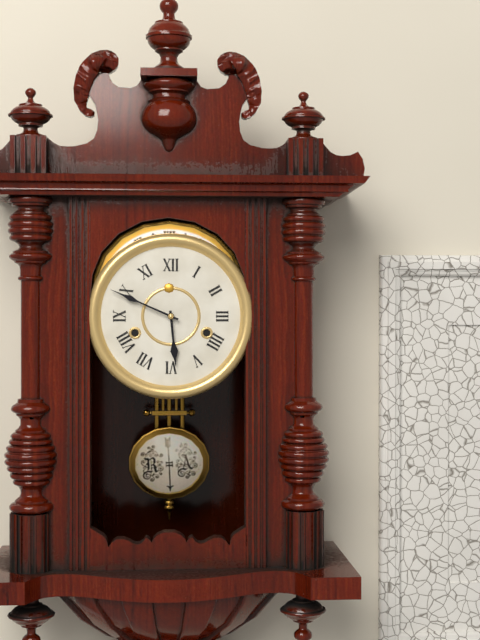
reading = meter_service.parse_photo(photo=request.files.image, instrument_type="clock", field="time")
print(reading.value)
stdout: 5:49
